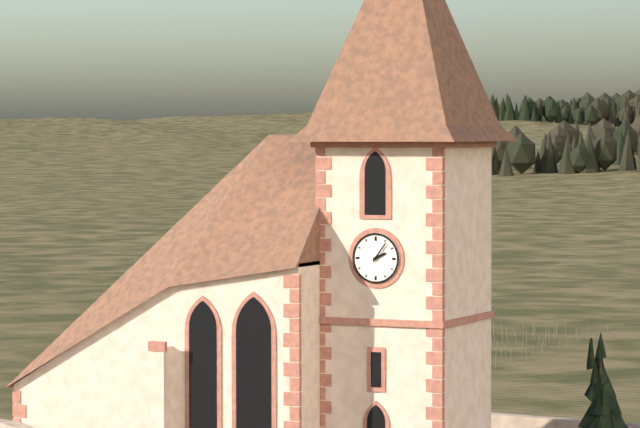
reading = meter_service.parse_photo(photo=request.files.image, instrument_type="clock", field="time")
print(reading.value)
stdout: 2:06
